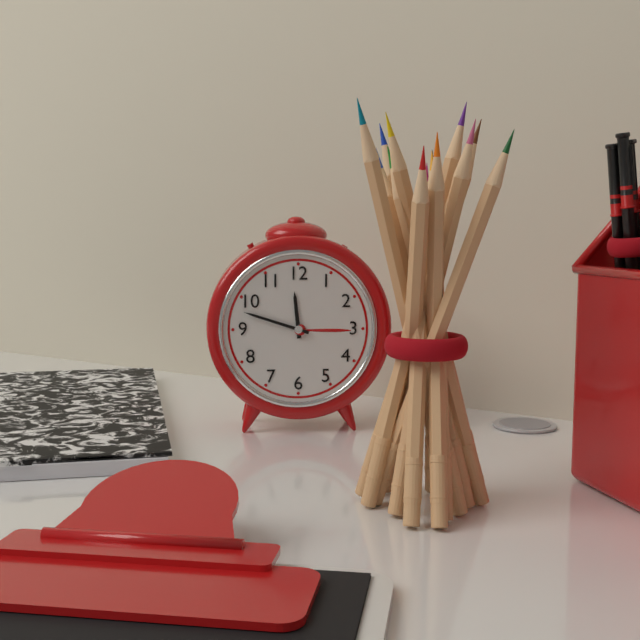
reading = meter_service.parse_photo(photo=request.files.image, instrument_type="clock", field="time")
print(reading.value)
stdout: 11:48
